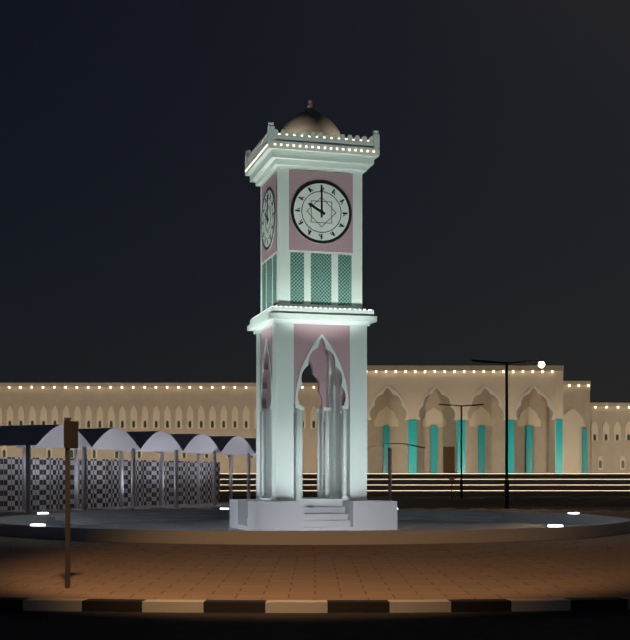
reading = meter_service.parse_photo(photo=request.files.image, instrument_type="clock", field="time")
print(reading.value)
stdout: 10:00
